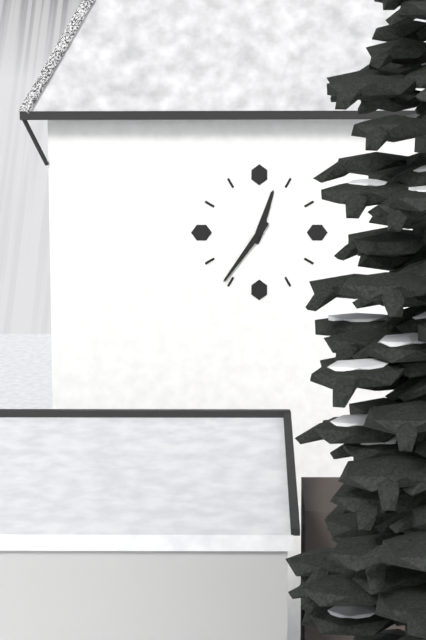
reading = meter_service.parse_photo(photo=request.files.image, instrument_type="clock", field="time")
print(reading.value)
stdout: 12:36
